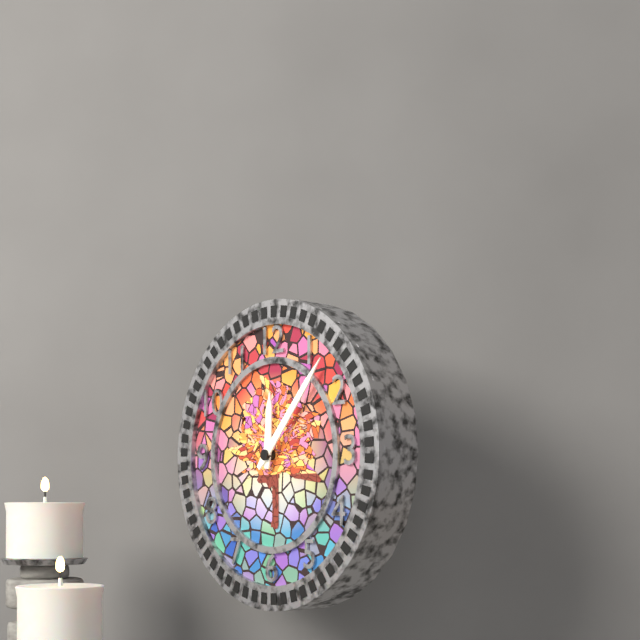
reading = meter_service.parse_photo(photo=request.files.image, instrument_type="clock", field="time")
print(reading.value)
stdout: 12:07
